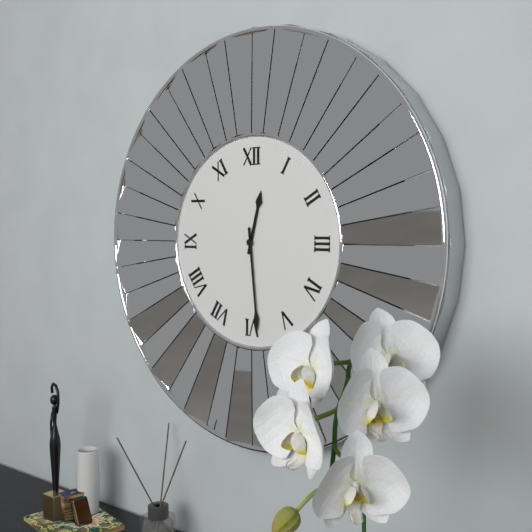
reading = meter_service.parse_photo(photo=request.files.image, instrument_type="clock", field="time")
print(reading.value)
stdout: 12:29
